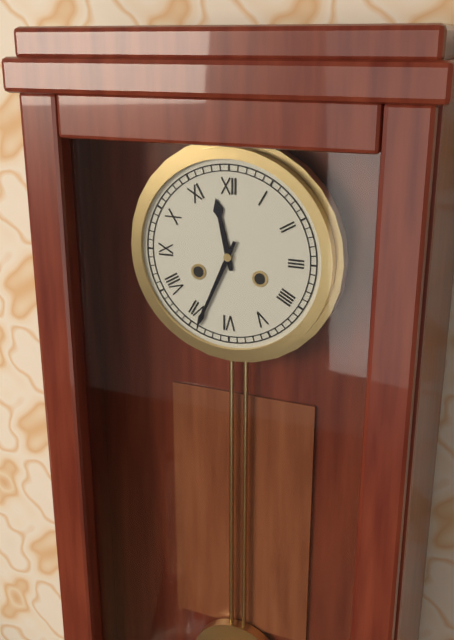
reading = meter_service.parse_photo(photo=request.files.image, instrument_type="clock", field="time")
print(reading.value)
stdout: 11:34
